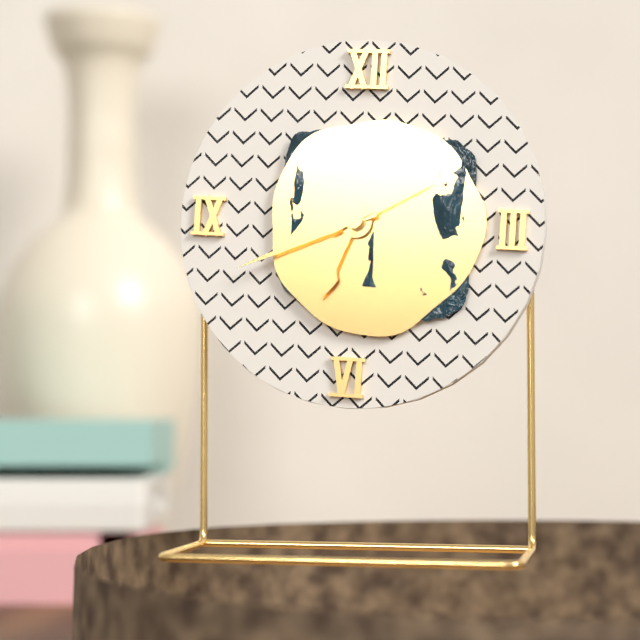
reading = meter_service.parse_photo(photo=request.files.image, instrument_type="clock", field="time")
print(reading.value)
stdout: 6:41:10
